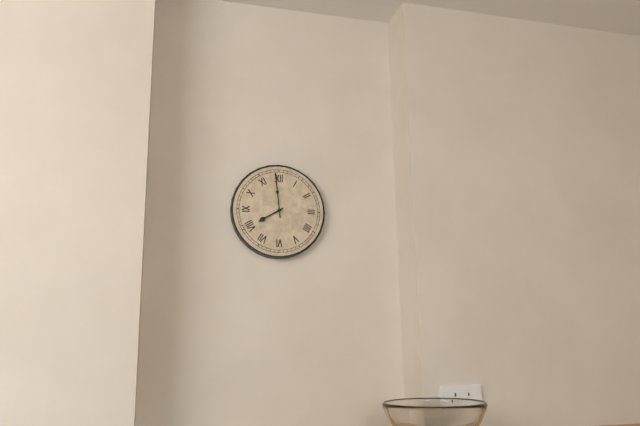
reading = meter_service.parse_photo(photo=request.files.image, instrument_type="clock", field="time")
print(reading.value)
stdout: 7:59
